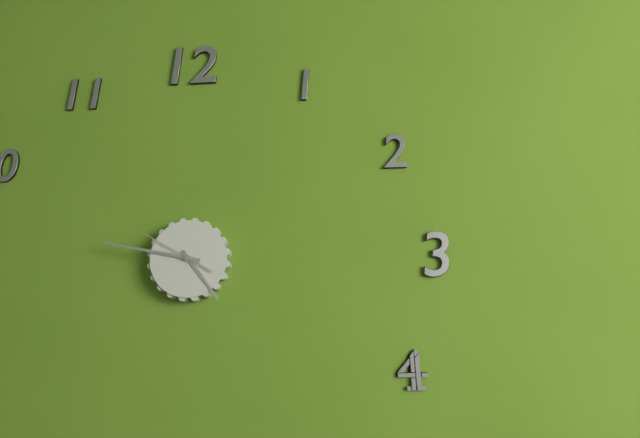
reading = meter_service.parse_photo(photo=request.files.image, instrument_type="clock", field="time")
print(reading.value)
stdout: 4:47:50
